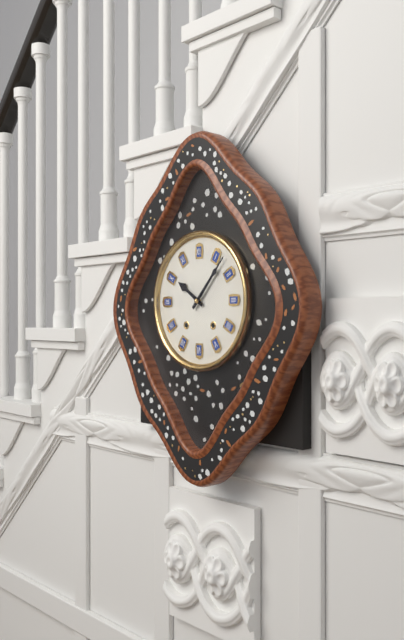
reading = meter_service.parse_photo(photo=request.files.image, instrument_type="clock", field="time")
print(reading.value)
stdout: 10:07
